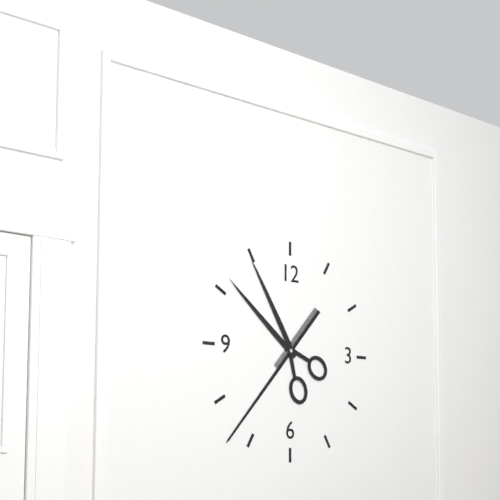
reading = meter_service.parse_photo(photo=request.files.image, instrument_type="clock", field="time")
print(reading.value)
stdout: 10:37
